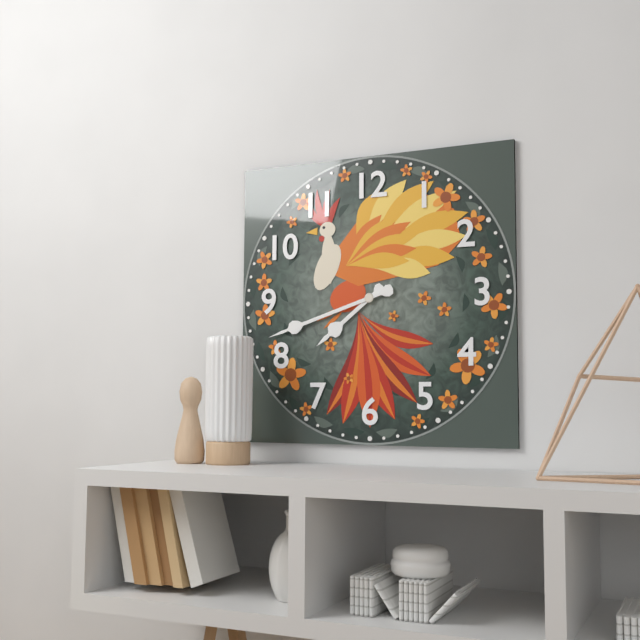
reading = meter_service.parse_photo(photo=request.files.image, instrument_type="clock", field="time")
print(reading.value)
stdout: 7:42
